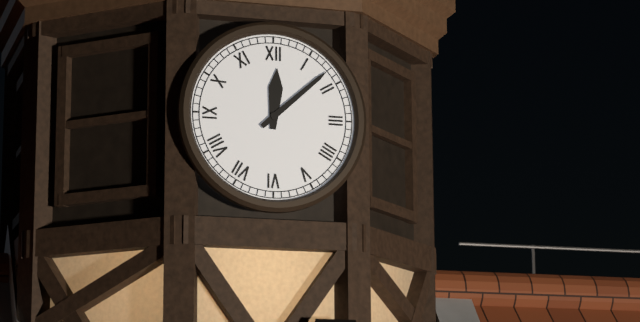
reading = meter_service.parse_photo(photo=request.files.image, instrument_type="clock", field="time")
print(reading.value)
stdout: 12:08
